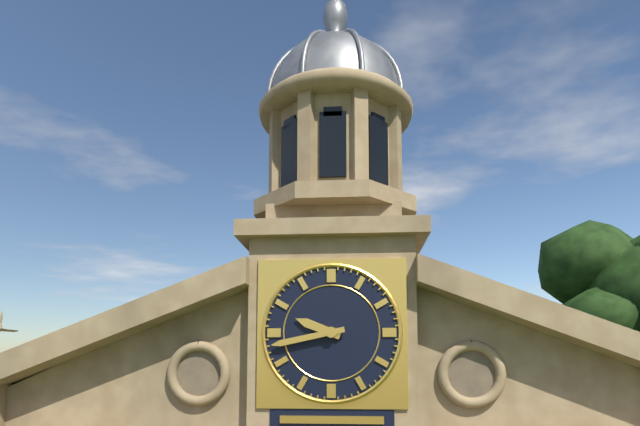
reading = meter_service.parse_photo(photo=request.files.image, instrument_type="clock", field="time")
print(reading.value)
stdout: 9:43
